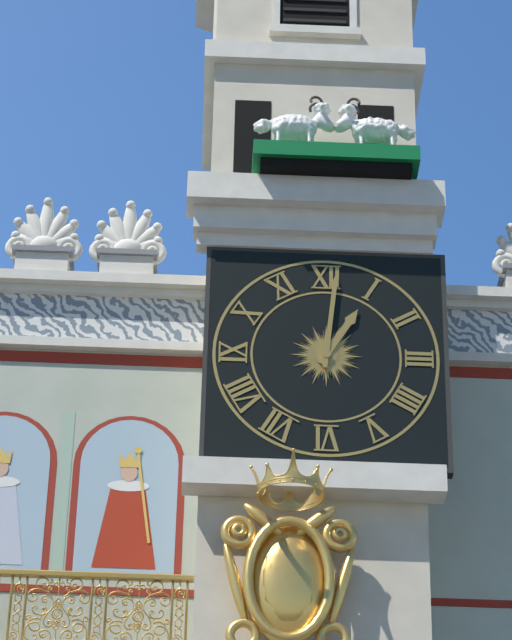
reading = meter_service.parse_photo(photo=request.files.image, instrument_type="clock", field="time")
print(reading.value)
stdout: 1:01
